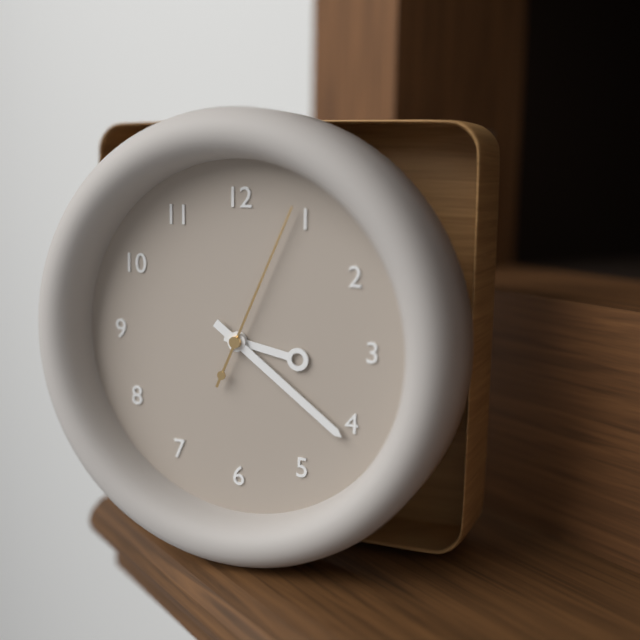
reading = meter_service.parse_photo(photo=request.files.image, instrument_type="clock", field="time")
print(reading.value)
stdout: 3:21:04
